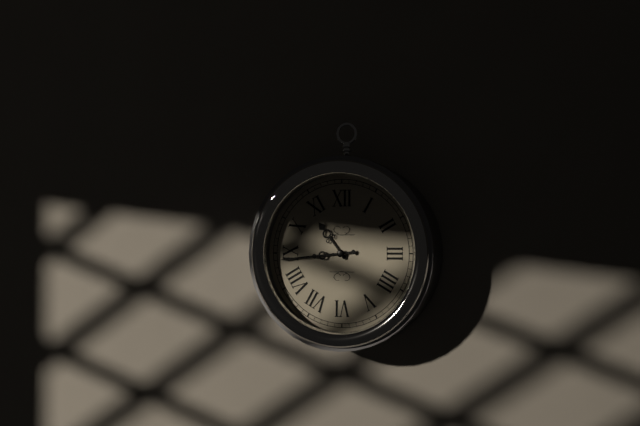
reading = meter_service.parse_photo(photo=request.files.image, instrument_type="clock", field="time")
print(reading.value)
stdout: 10:44
